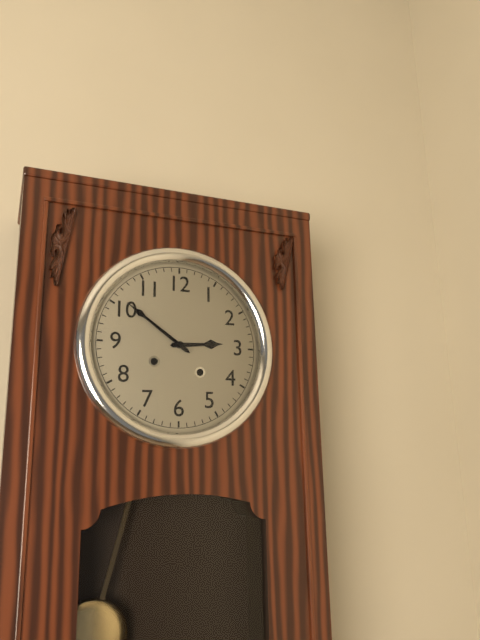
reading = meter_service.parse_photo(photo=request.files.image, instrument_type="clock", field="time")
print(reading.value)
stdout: 2:51
